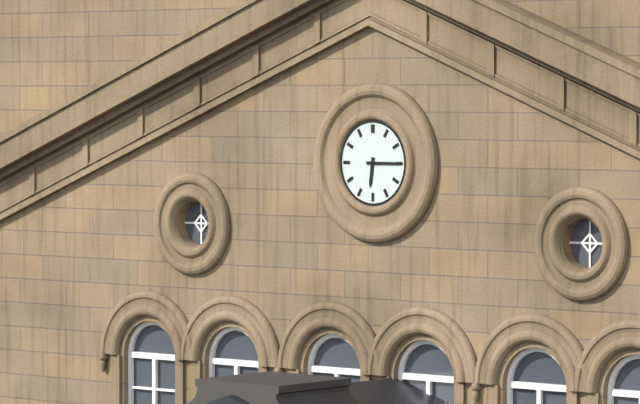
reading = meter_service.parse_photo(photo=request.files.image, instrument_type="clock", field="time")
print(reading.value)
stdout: 6:15
